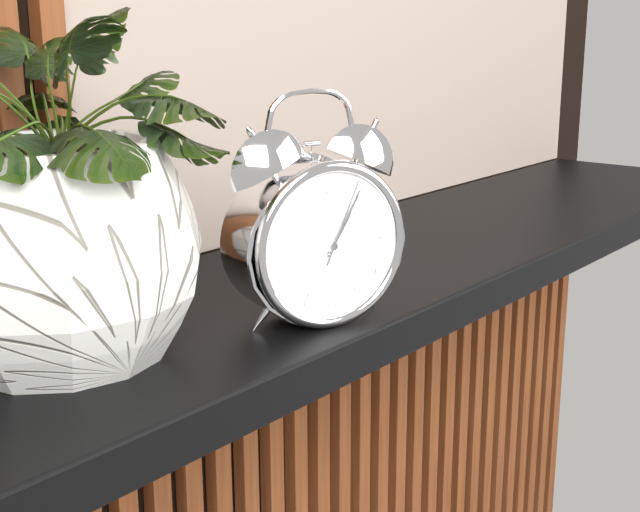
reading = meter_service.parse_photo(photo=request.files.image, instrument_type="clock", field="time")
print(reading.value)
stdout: 1:05:04
